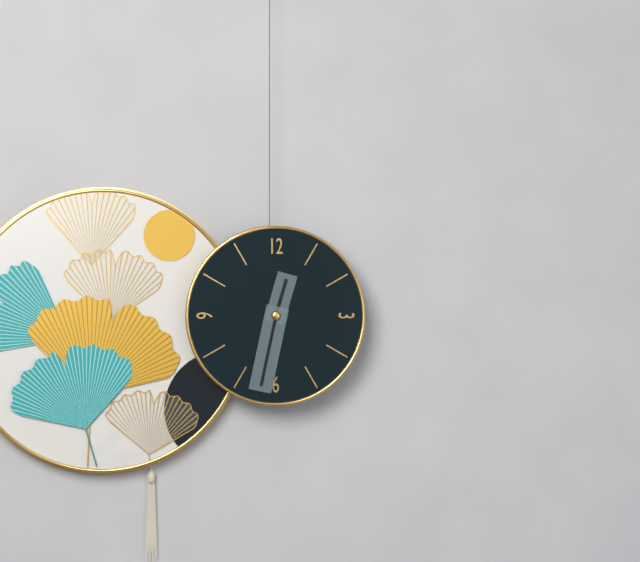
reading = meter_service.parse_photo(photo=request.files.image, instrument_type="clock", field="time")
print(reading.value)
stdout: 12:32
